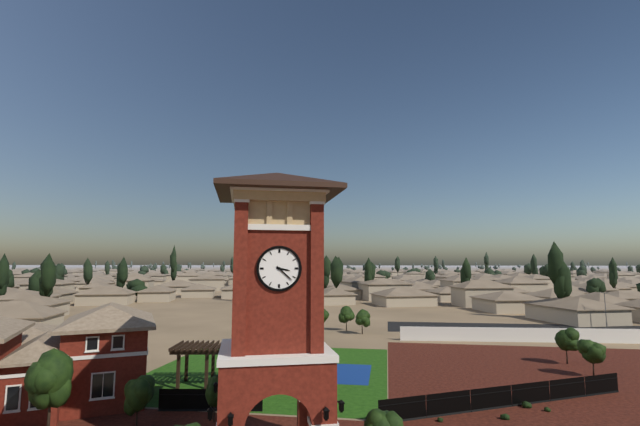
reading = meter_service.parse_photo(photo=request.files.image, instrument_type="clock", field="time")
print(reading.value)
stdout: 3:22
